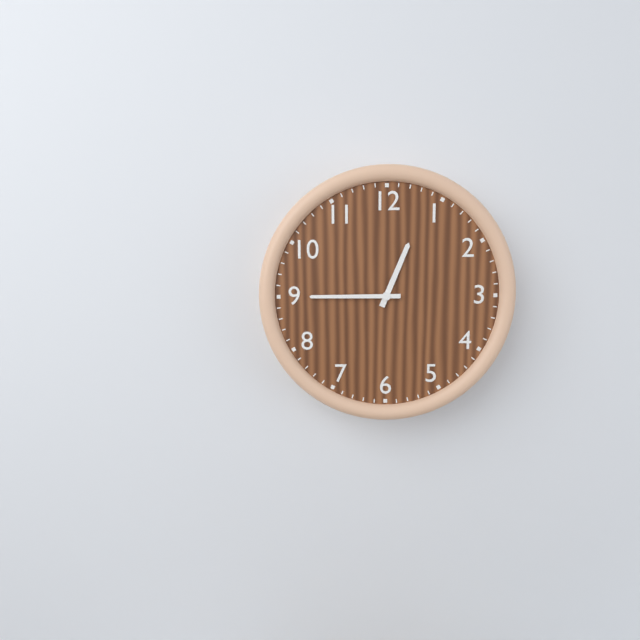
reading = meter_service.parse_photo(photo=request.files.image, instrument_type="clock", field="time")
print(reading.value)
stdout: 12:45
